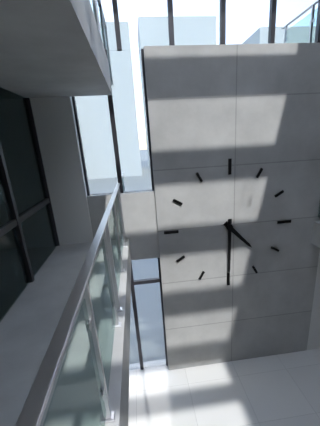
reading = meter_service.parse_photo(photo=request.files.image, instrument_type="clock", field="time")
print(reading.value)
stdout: 4:30
